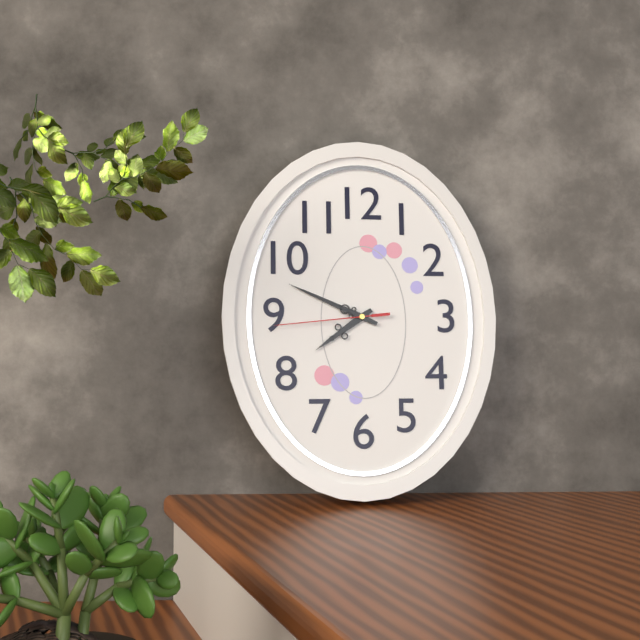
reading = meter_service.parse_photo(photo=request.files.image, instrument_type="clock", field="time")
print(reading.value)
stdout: 7:49:44
